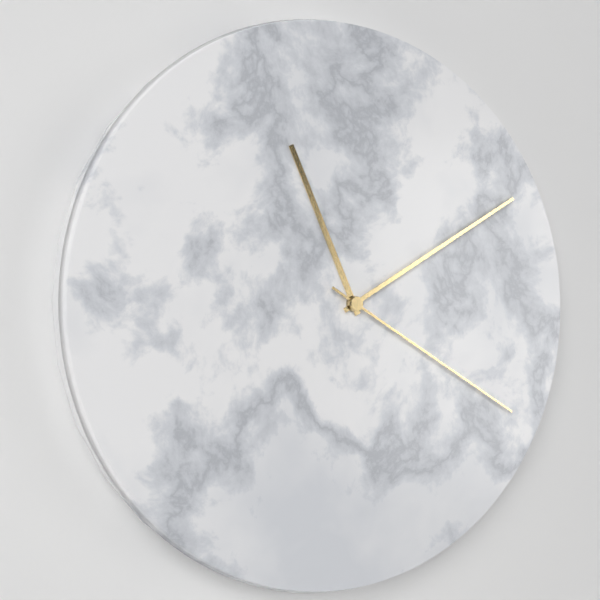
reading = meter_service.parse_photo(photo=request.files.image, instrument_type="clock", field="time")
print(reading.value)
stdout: 11:10:20
